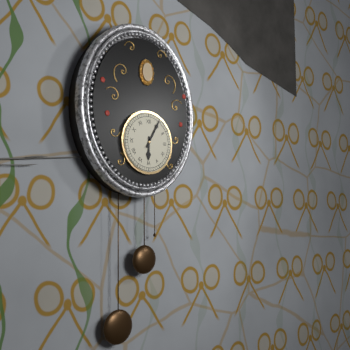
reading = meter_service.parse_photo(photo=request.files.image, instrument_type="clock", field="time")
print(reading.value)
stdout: 6:05
